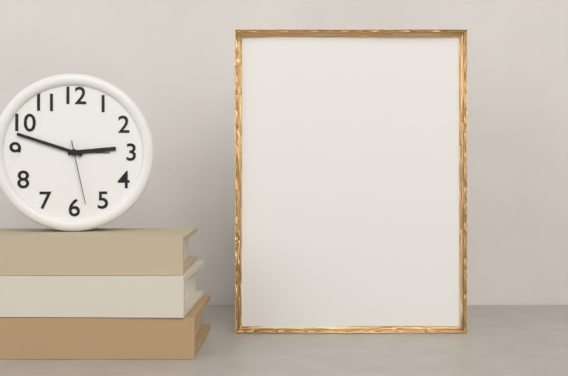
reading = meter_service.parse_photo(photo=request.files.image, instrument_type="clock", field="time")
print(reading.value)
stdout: 2:48:28
